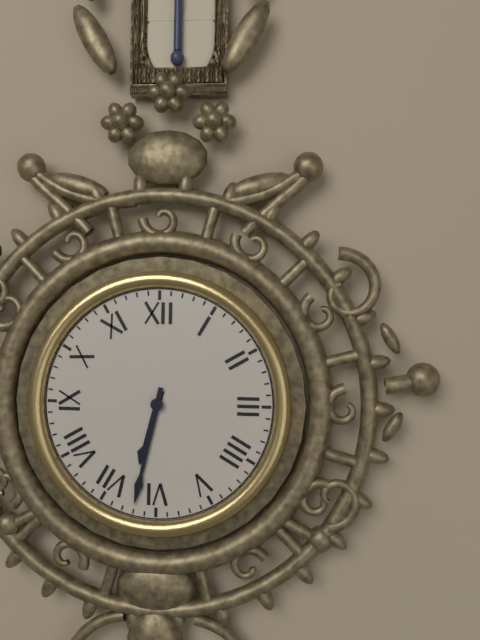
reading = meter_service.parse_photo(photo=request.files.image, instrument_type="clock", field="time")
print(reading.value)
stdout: 6:32
